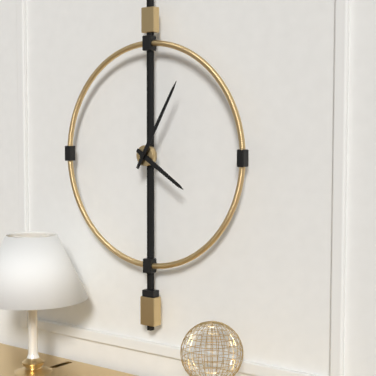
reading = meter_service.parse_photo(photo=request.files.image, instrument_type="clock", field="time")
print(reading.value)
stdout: 4:05
